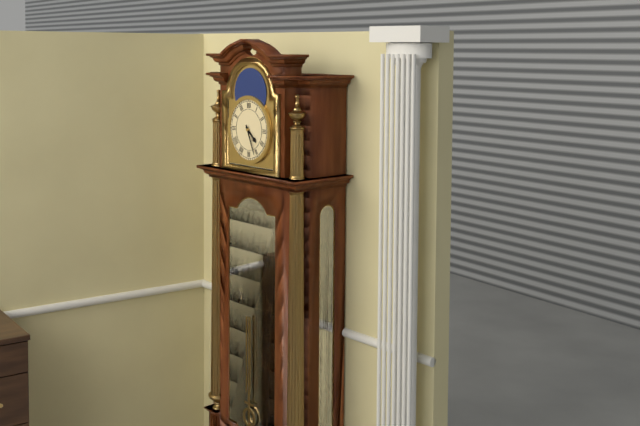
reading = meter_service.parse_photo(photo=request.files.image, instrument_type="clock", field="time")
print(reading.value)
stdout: 4:26
